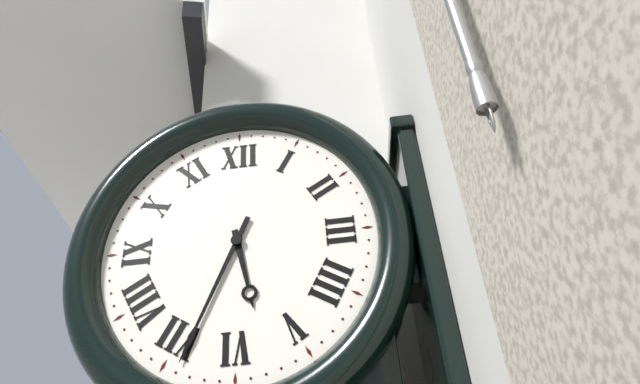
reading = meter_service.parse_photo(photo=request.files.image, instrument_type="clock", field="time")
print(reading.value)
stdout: 5:34
